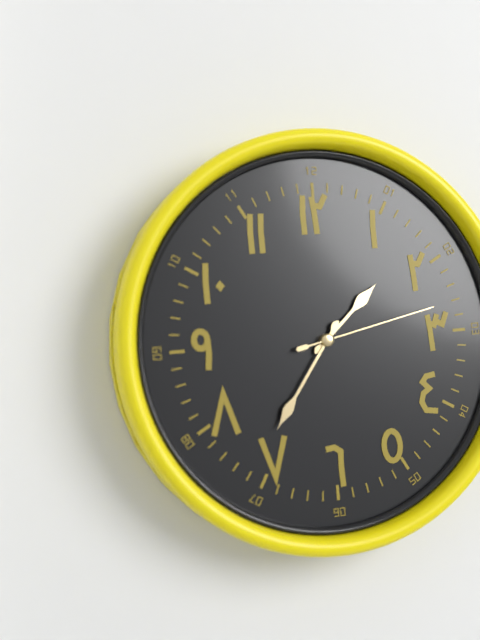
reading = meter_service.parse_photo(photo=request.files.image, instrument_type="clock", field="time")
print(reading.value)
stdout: 1:36:13
